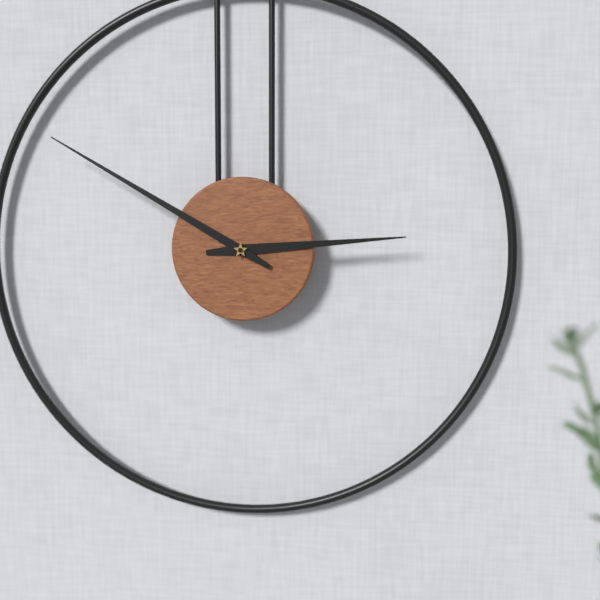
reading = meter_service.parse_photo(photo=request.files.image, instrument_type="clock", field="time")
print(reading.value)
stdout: 2:50
